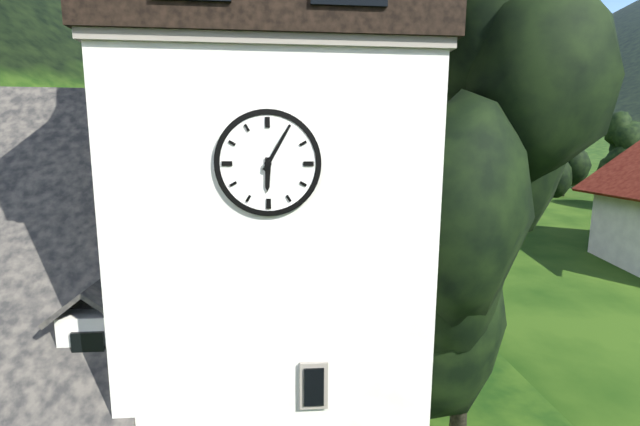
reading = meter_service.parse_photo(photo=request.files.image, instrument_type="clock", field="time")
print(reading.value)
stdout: 6:05
